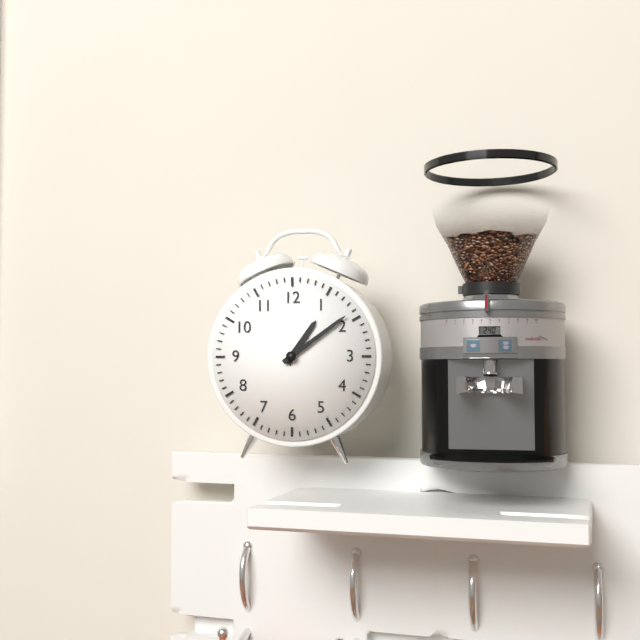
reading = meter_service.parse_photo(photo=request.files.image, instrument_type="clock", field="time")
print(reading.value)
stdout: 1:09
